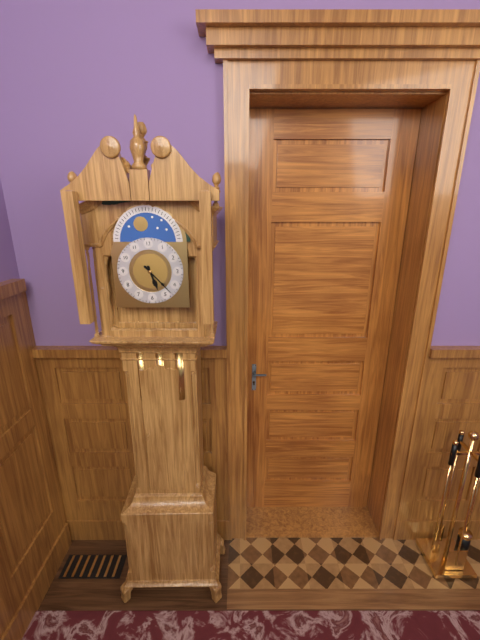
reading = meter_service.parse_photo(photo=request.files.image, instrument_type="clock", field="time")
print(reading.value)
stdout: 5:23
